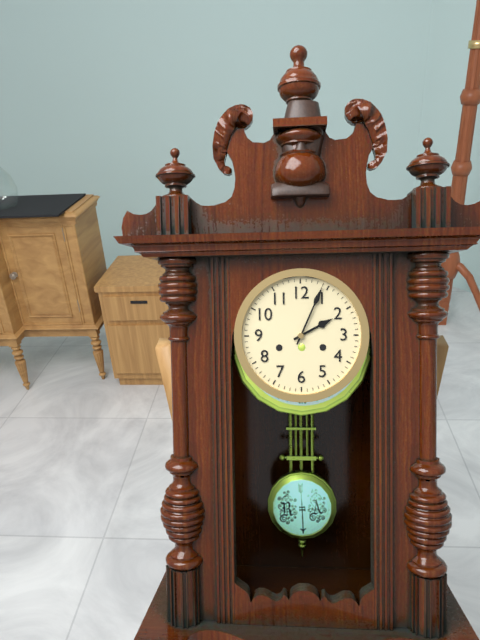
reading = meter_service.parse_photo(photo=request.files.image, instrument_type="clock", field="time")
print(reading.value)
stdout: 2:04
